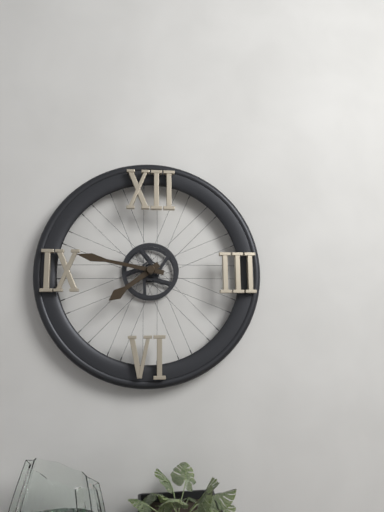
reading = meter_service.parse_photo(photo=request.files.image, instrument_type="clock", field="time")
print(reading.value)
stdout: 7:47
